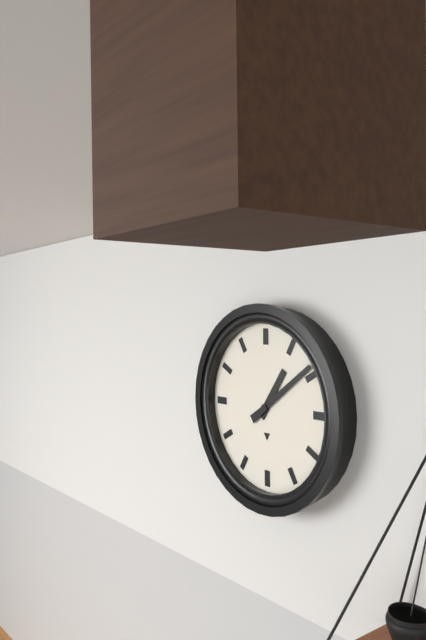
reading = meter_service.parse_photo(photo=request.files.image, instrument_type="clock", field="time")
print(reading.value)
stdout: 1:09
